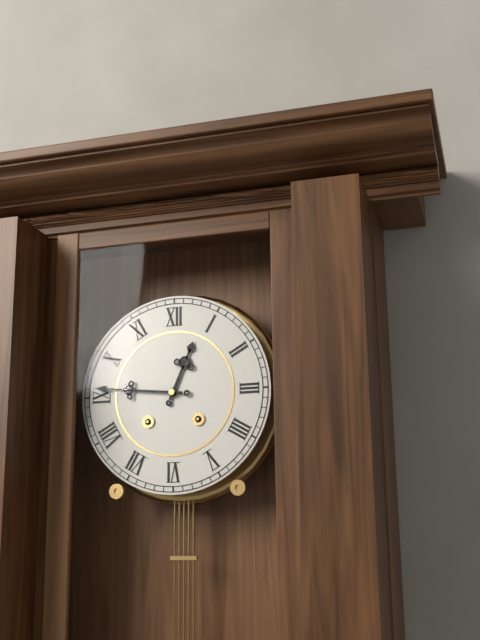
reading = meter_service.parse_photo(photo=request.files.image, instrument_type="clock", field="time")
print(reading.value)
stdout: 12:46
